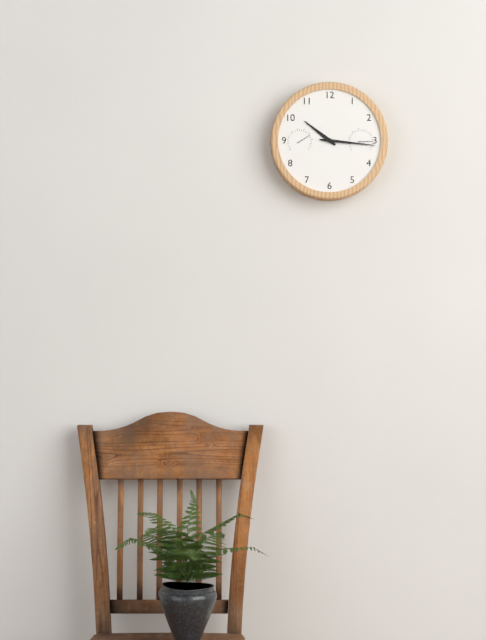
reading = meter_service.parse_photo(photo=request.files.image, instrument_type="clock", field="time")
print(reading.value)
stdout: 10:16
